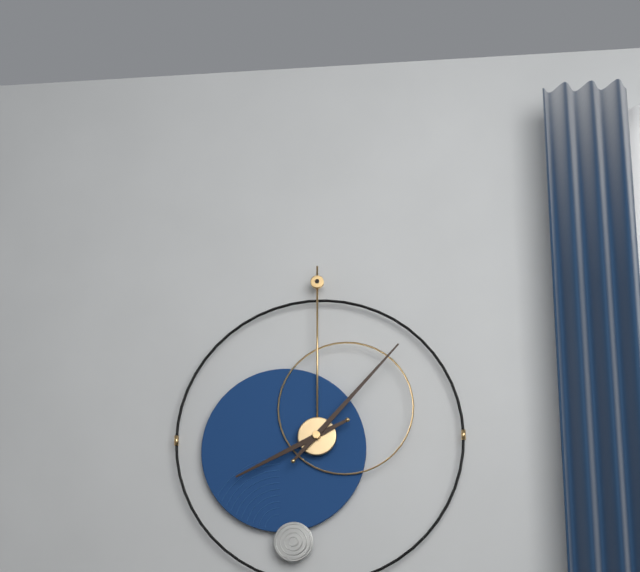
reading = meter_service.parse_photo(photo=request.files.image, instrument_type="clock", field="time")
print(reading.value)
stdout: 8:07
